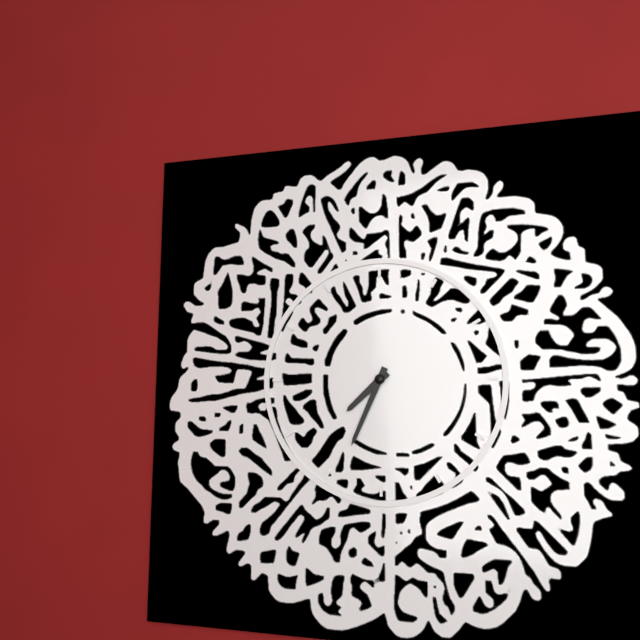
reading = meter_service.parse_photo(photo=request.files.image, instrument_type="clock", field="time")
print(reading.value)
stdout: 7:34
